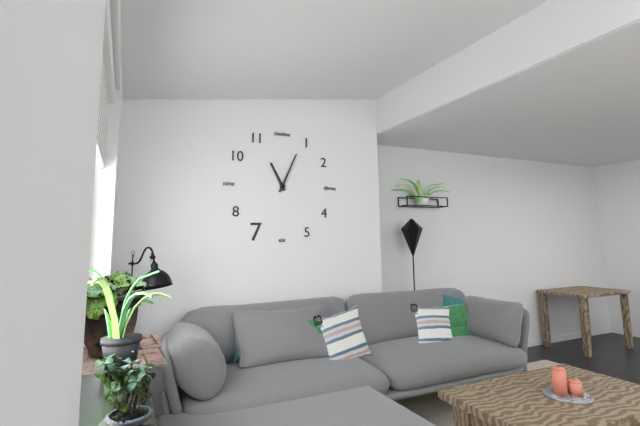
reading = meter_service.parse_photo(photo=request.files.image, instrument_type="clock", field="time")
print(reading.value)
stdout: 11:04
